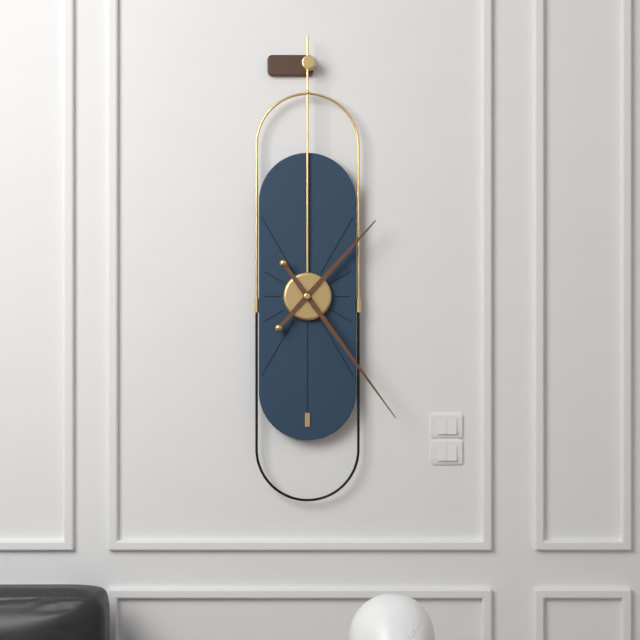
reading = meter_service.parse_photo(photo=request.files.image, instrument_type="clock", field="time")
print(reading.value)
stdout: 1:24
